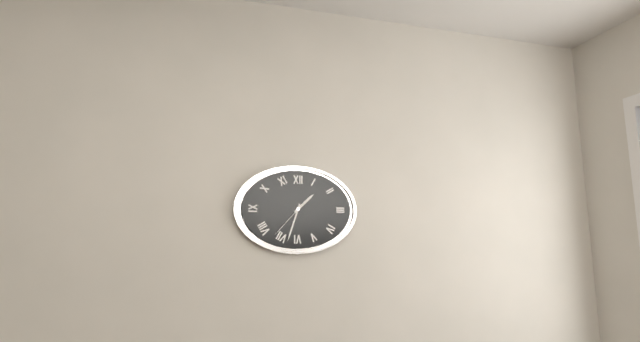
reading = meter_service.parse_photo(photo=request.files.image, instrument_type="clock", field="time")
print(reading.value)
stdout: 1:33
